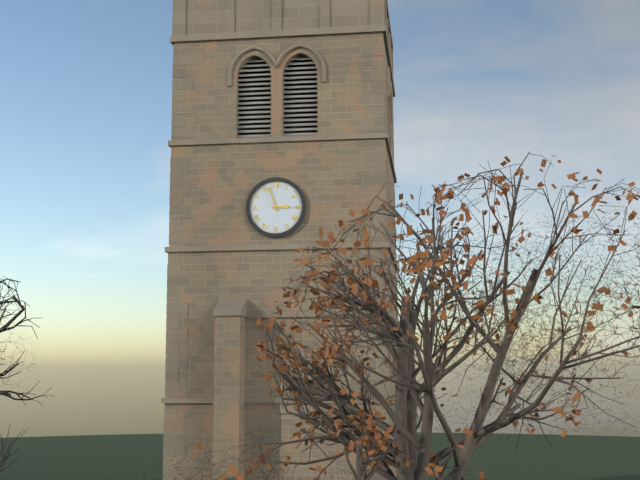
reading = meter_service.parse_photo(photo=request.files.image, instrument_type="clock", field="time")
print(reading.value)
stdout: 2:57
